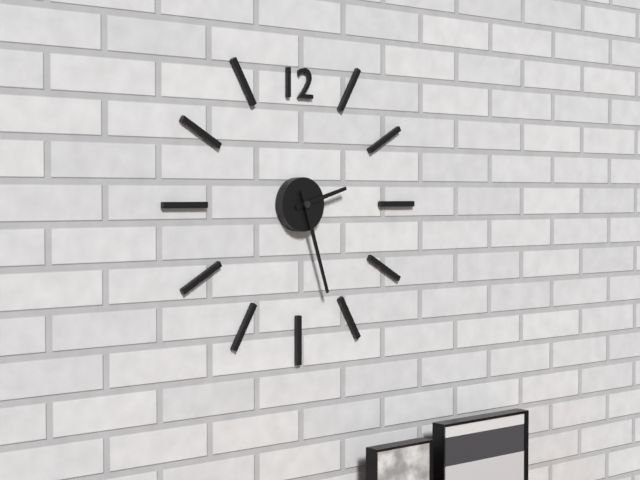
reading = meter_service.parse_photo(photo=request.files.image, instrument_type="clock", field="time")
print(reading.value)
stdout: 2:27
